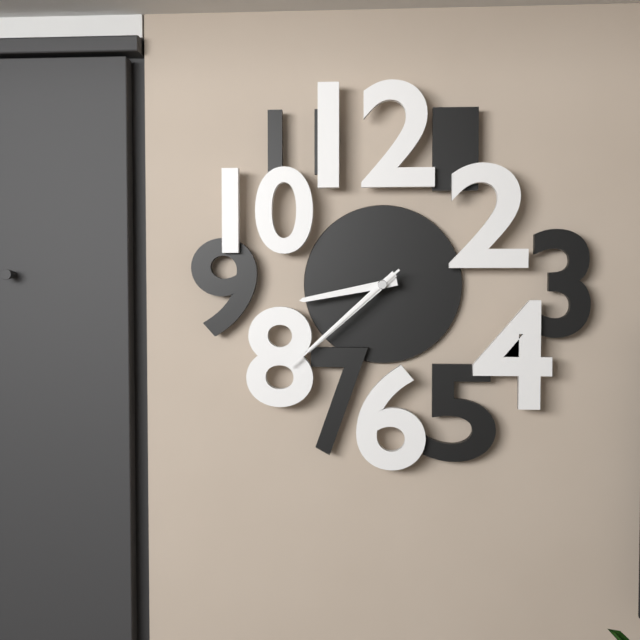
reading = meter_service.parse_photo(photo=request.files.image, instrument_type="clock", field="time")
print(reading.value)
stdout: 8:38:38
